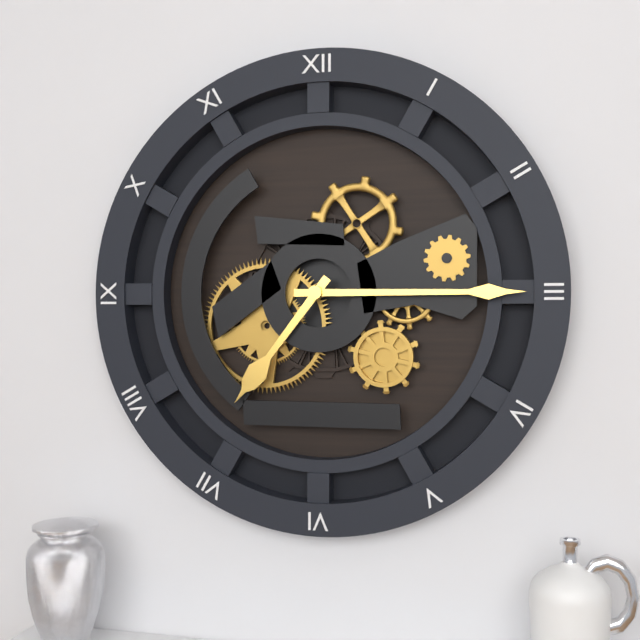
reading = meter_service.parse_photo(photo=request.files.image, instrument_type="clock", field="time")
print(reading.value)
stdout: 7:15
